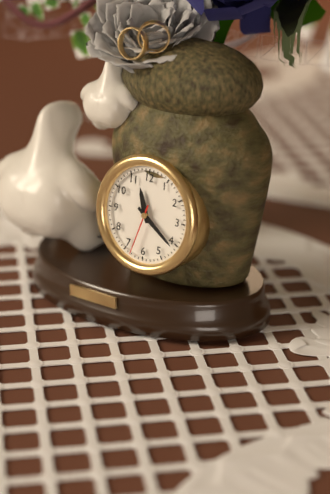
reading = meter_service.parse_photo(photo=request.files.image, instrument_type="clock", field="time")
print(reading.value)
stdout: 11:21:33
